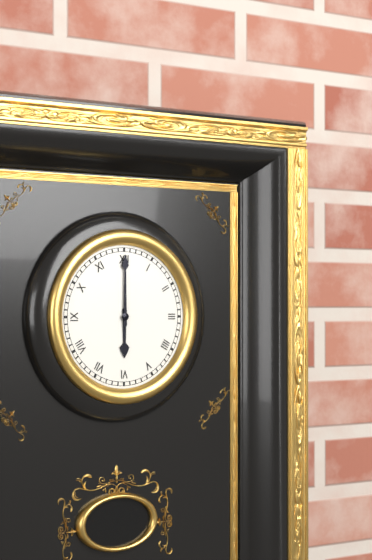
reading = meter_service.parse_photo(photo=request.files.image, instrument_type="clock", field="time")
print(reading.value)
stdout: 6:00
